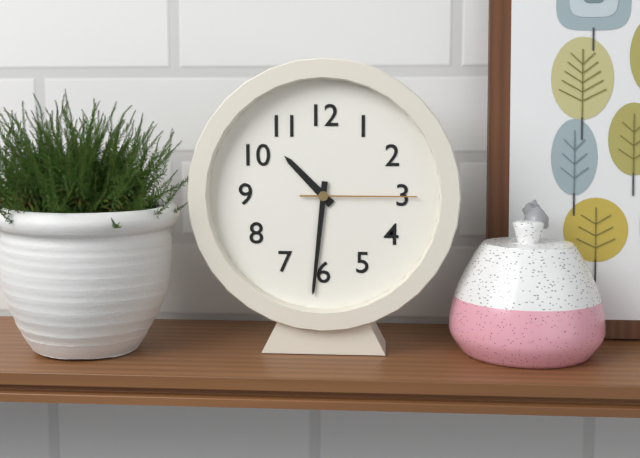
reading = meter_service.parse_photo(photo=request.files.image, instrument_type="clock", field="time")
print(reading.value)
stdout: 10:31:15
